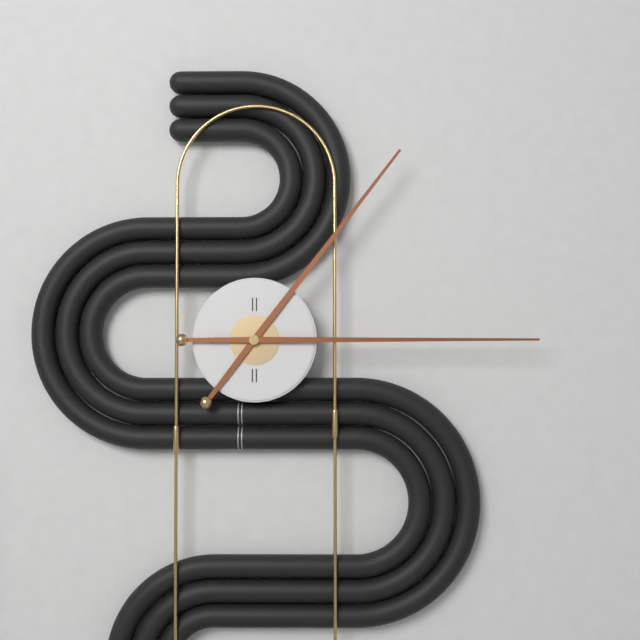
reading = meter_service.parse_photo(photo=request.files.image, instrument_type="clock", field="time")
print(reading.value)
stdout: 1:15
